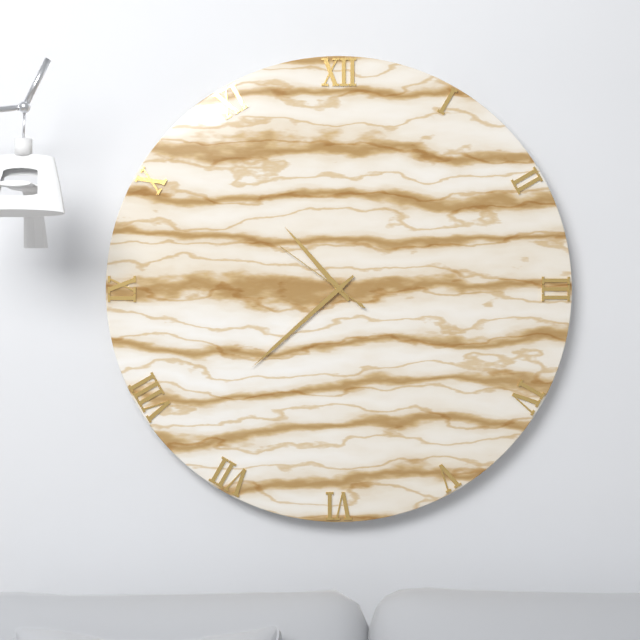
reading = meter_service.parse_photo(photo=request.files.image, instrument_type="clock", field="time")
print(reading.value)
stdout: 10:38:51
